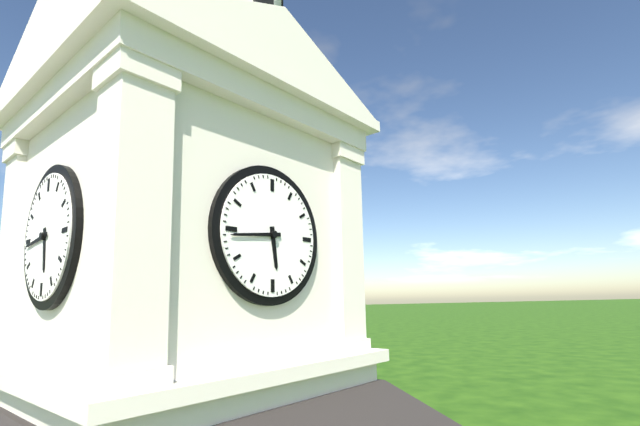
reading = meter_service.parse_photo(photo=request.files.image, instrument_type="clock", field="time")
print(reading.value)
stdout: 5:44
